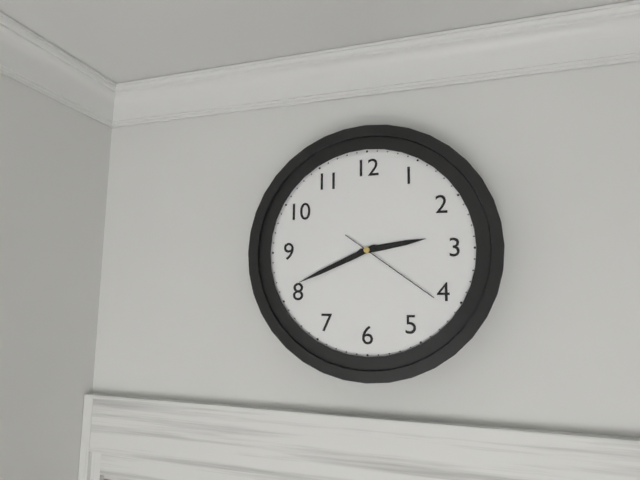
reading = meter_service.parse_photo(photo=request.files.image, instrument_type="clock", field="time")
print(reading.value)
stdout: 2:41:21
